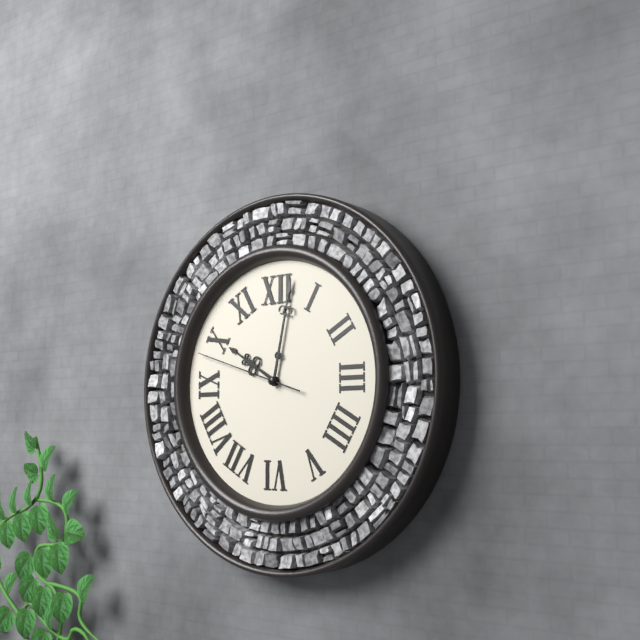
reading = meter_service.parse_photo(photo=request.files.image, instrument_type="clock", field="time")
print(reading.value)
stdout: 10:02:48
